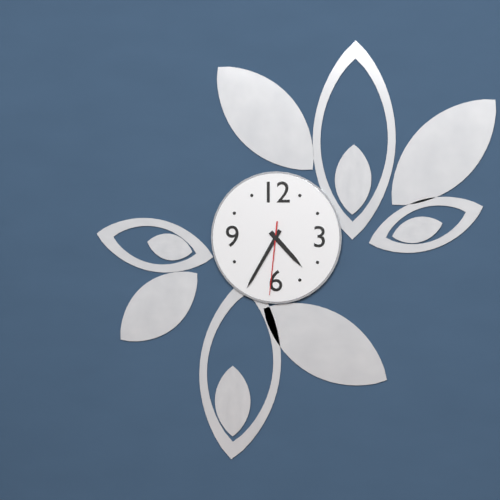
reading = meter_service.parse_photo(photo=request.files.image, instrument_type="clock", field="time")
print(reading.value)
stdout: 4:35:31
